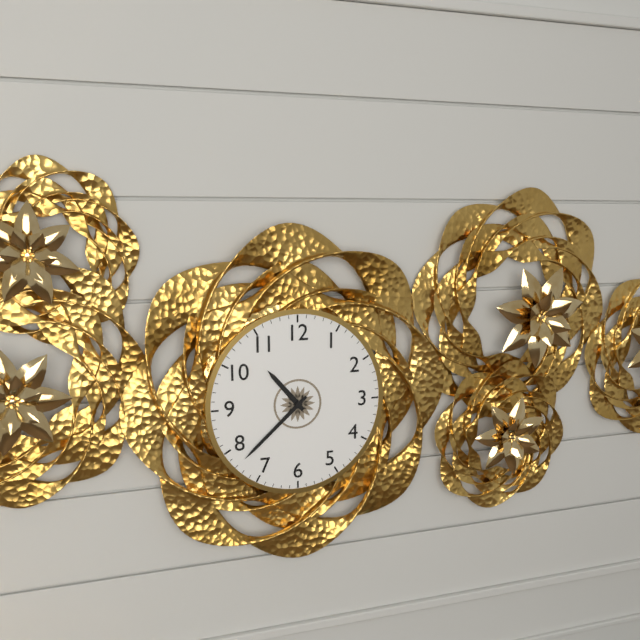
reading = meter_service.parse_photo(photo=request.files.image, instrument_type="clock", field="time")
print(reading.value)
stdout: 10:38
